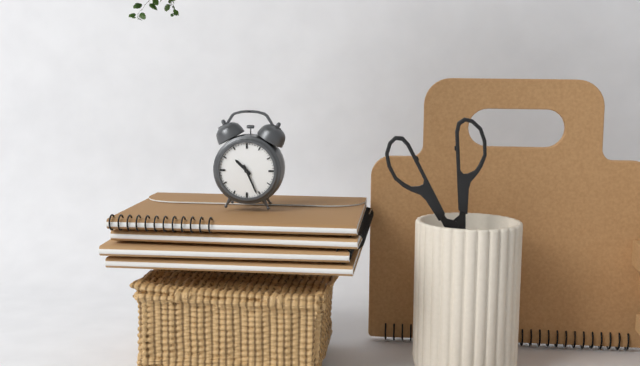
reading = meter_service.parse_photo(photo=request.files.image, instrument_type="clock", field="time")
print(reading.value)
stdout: 10:26
